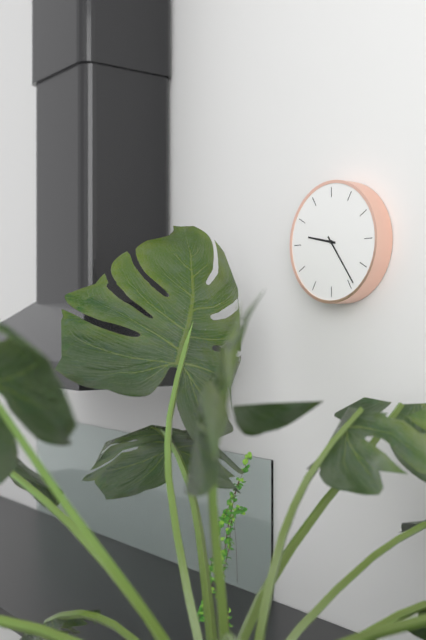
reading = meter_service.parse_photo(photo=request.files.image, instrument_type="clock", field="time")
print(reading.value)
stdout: 9:24
